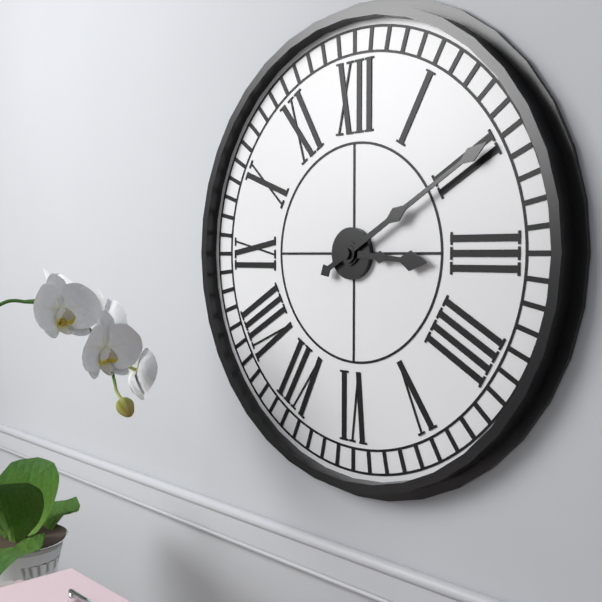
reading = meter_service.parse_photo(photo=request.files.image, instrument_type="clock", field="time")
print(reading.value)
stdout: 3:10
